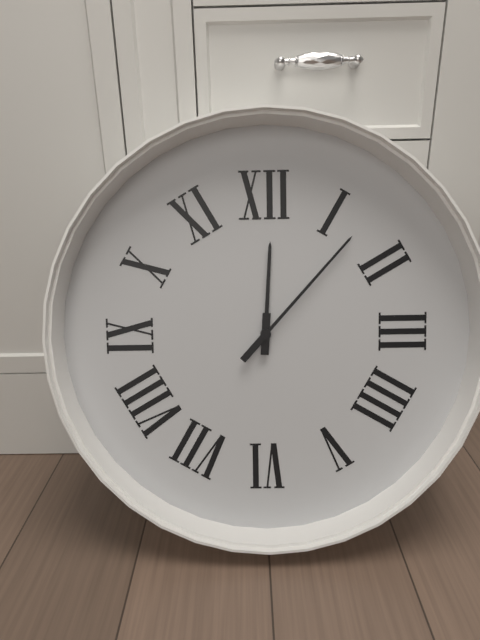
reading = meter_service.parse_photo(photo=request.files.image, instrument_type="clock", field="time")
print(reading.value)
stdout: 12:07
